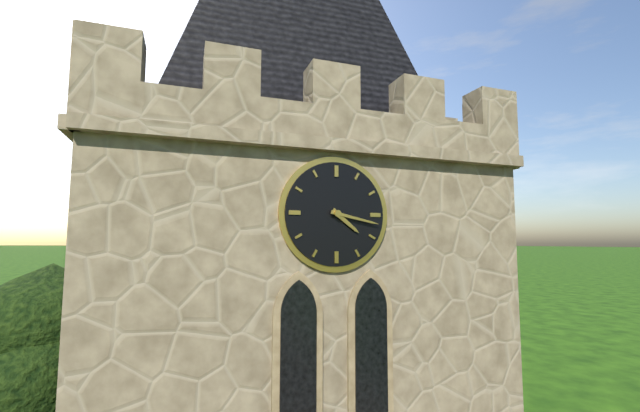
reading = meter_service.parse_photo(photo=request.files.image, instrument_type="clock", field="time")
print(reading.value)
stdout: 4:17
